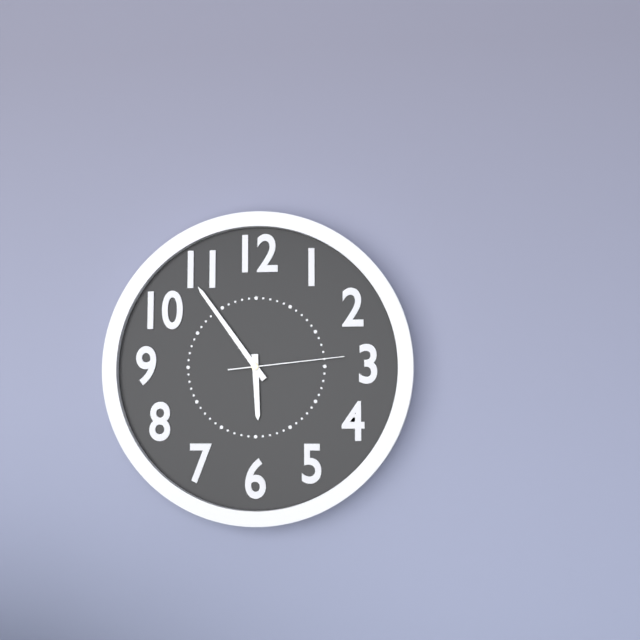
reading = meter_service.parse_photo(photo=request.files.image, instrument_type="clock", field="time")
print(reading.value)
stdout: 5:54:14
